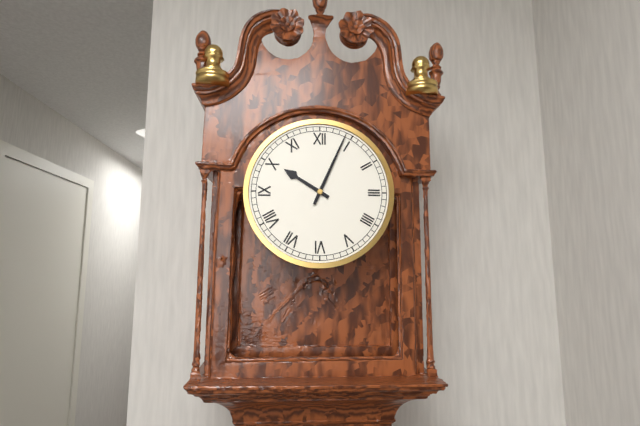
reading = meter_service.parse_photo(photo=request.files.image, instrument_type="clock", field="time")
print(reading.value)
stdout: 10:04
